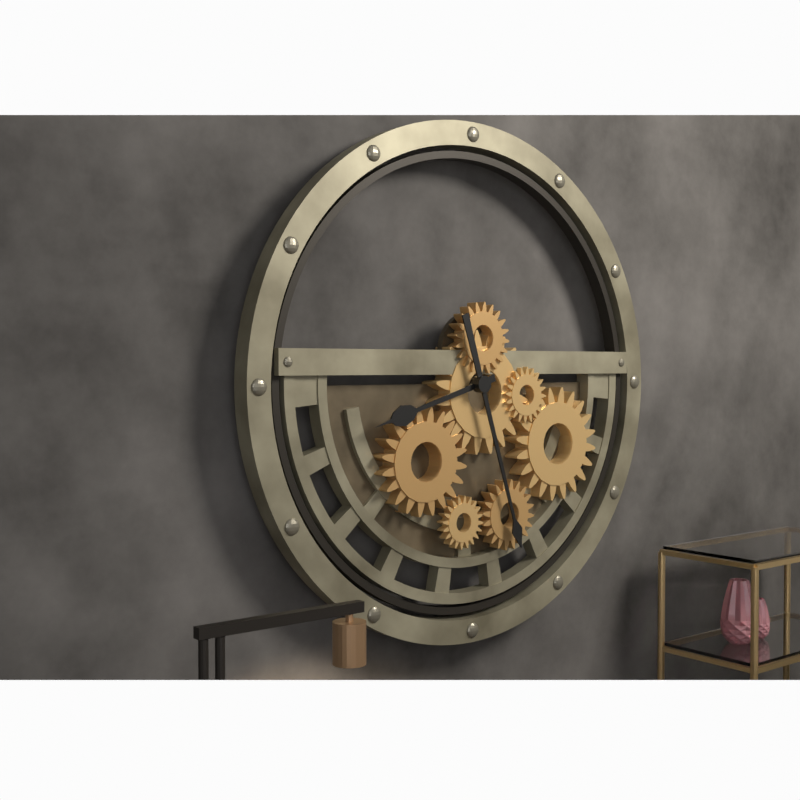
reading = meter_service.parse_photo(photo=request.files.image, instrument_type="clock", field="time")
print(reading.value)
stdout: 8:27
